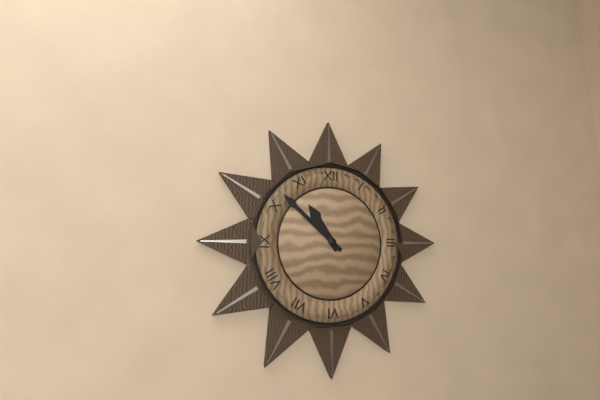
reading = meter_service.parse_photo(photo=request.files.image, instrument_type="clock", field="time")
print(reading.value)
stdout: 10:52
